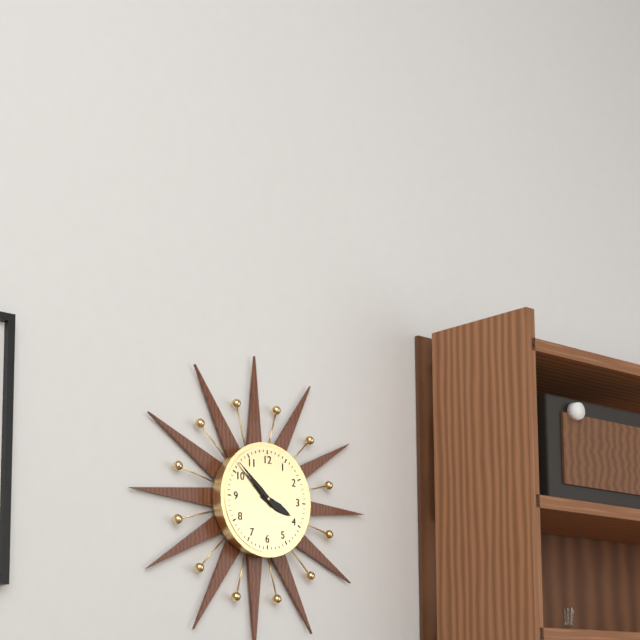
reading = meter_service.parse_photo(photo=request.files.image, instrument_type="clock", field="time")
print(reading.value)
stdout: 3:52
